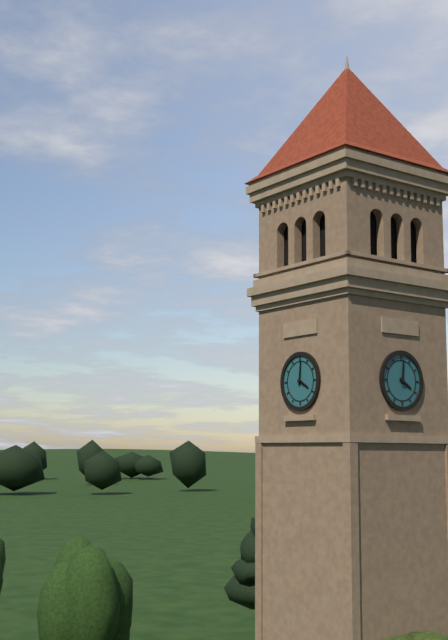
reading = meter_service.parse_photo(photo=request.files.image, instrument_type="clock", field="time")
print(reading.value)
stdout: 4:01
